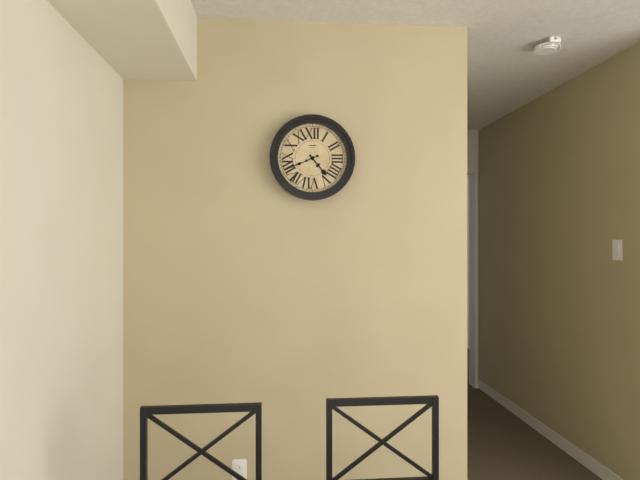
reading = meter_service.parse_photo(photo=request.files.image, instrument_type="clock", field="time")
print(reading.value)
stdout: 4:41
